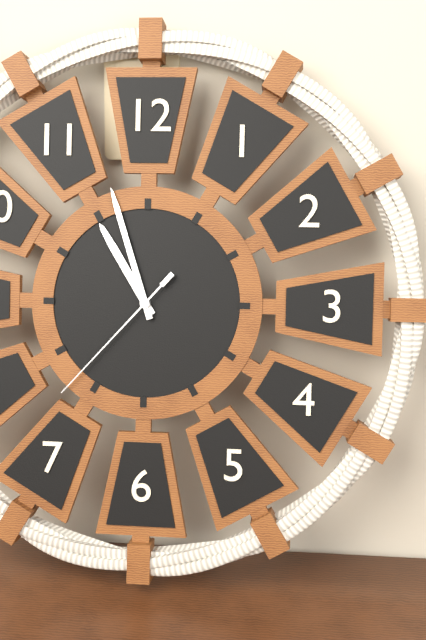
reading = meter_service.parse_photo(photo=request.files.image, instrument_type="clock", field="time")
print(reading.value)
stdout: 10:57:37
